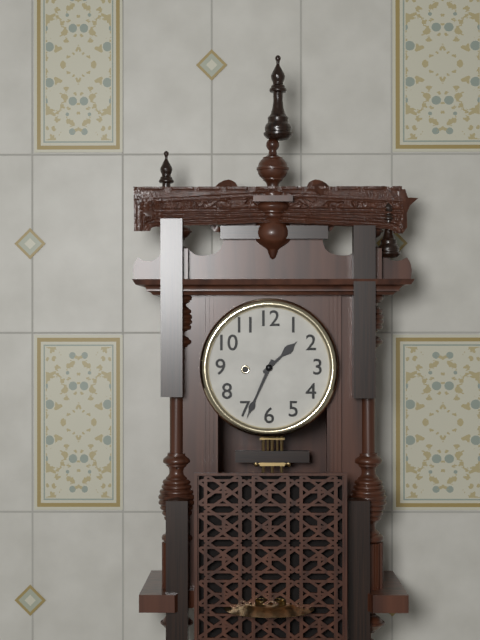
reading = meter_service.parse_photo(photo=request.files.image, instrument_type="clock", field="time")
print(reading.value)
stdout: 1:34
